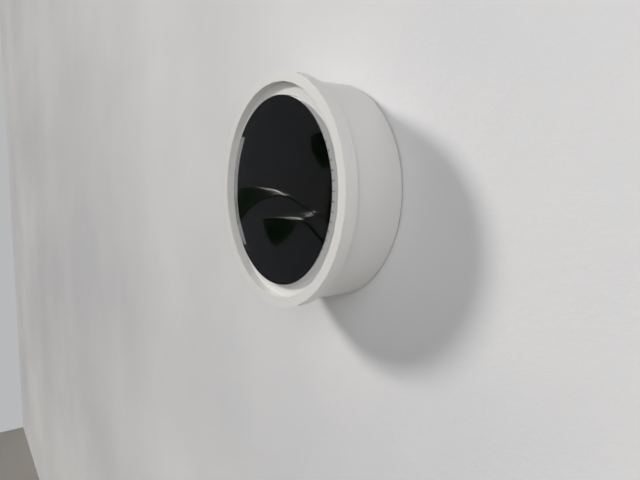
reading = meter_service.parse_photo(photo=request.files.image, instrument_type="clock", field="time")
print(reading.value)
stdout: 12:54:56
